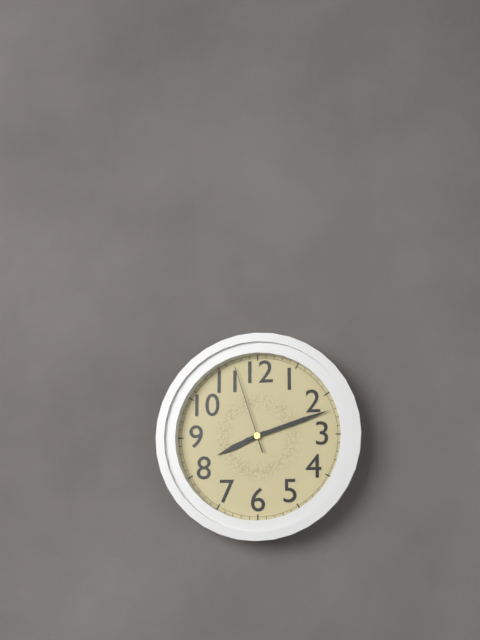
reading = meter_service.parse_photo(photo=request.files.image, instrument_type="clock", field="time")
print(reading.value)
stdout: 8:12:57
